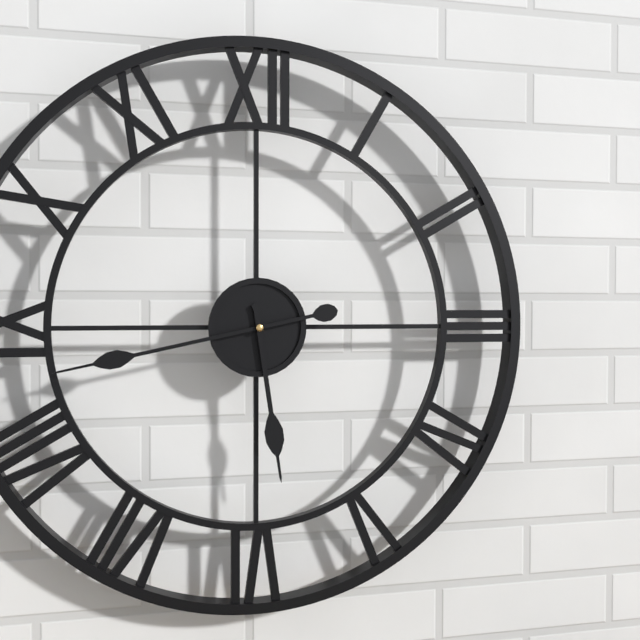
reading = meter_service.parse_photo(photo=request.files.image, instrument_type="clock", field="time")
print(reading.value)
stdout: 5:43
